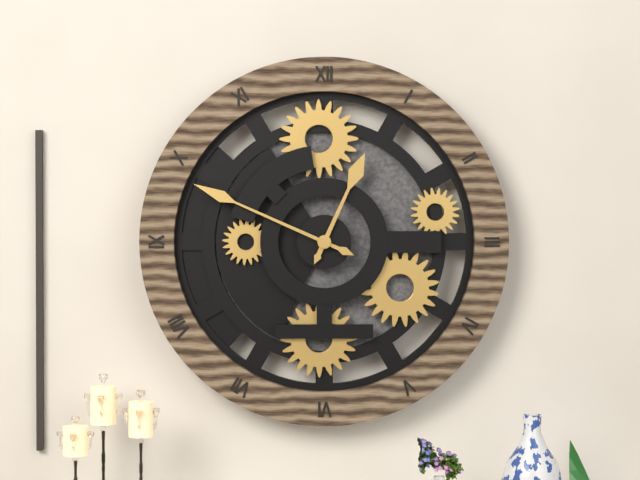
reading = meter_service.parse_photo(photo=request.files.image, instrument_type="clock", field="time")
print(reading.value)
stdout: 12:49
